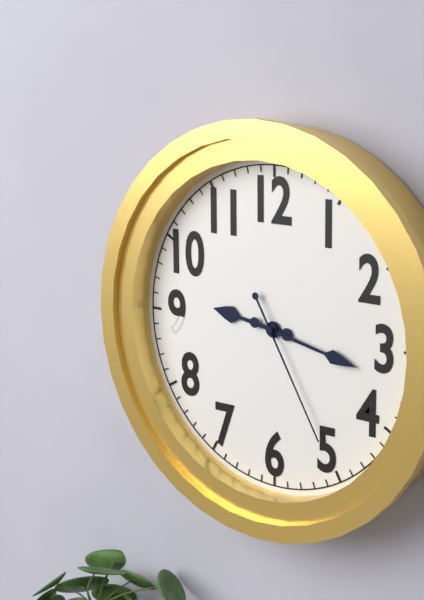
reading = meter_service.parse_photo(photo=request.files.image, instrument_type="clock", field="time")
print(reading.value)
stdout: 9:17:25
